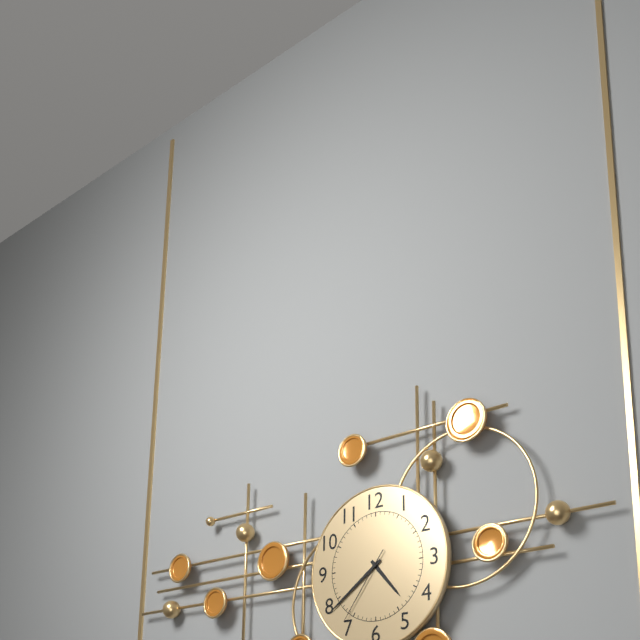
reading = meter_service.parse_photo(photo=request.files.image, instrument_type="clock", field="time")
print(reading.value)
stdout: 4:39:36
